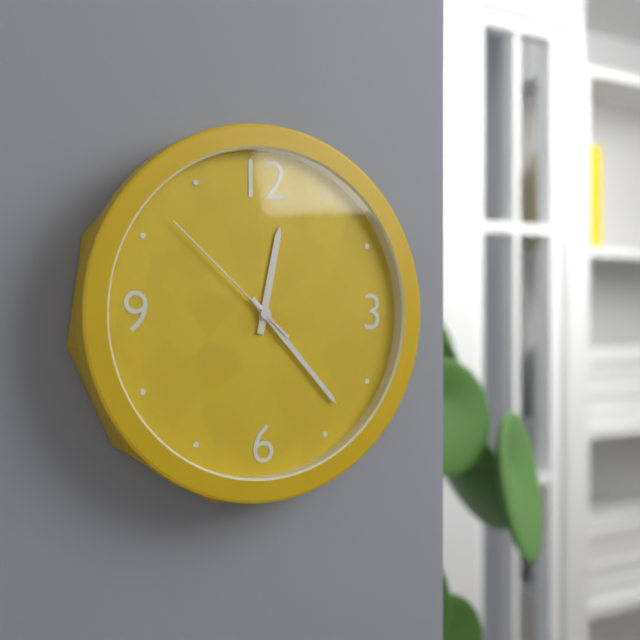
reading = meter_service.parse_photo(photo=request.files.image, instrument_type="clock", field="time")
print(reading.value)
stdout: 12:23:52
